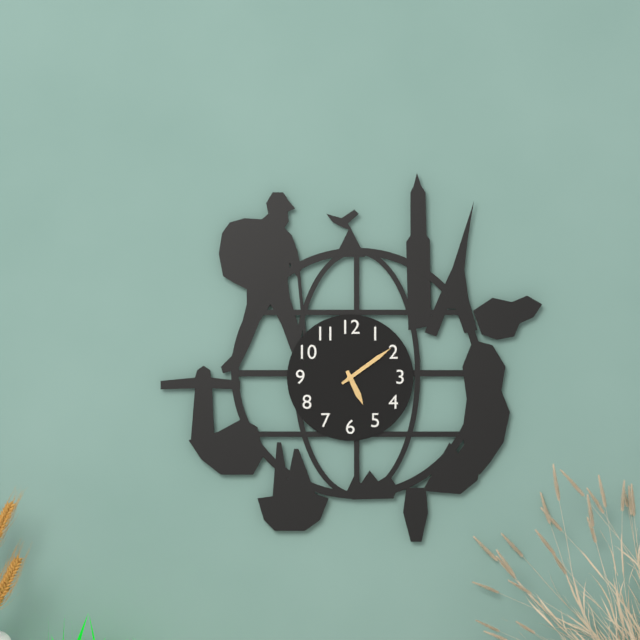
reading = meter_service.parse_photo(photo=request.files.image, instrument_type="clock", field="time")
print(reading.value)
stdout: 5:09
